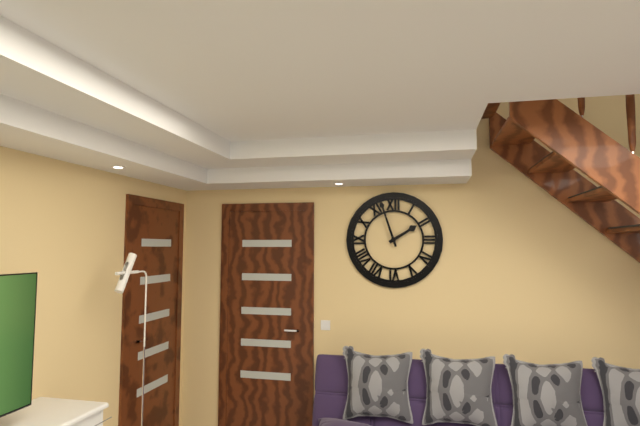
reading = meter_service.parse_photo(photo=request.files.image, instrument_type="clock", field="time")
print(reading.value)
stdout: 1:57
